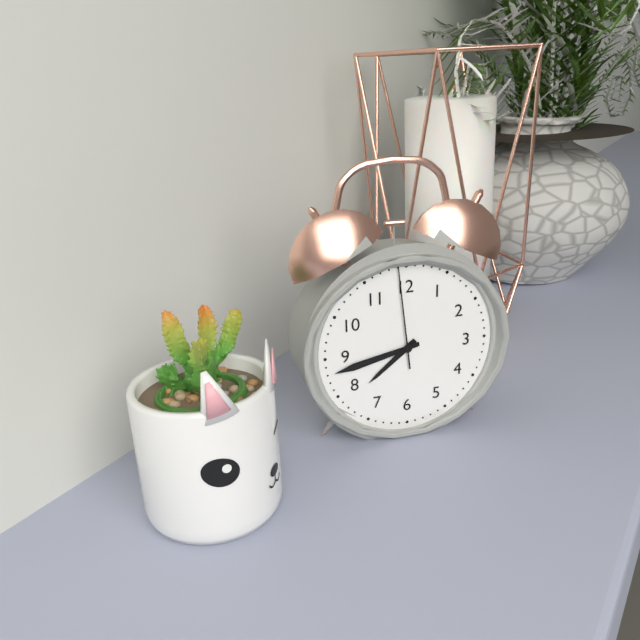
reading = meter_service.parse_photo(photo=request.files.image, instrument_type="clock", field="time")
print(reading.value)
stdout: 7:43:59
